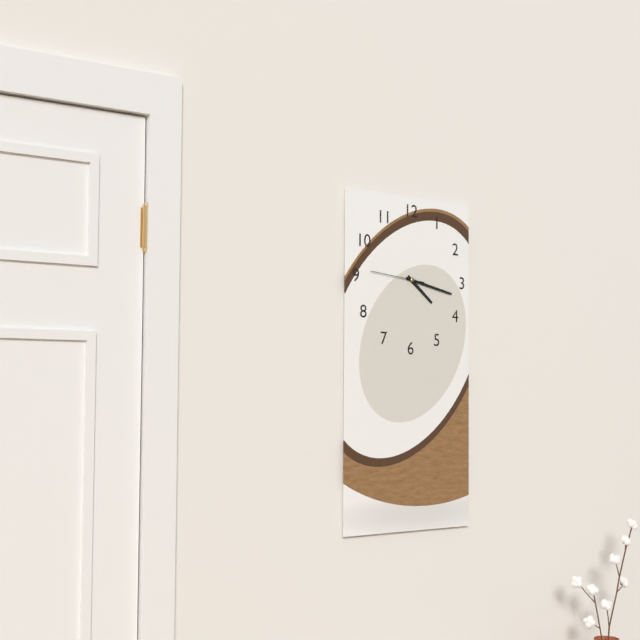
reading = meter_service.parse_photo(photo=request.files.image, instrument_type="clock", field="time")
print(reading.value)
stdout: 4:17:46
